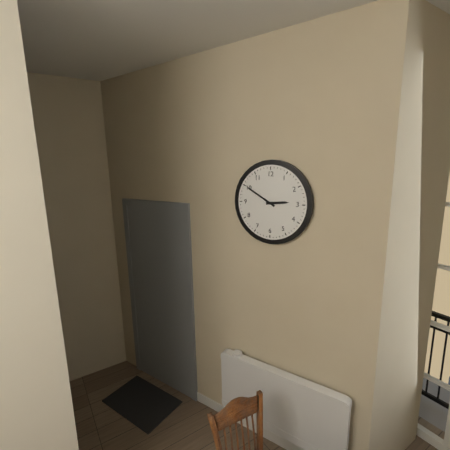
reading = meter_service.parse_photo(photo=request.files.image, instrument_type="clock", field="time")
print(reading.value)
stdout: 2:50
